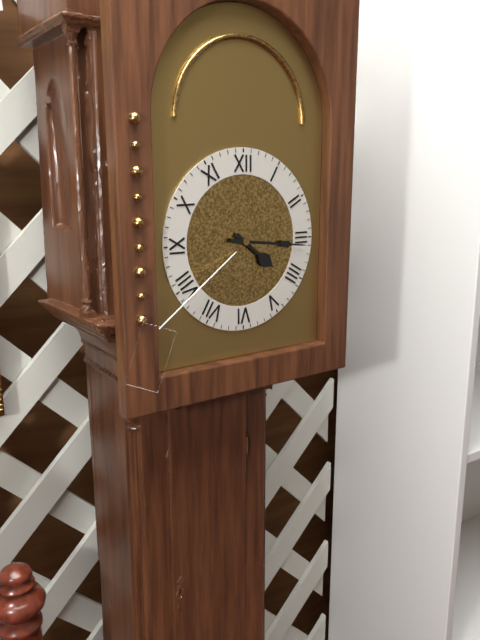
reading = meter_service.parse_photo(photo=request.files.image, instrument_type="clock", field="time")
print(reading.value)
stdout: 4:16
